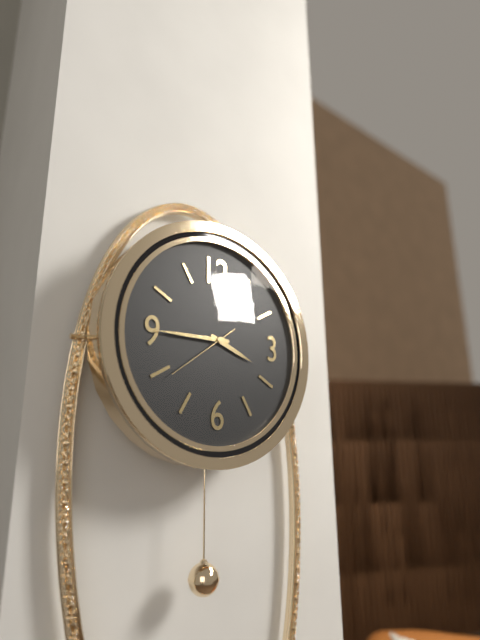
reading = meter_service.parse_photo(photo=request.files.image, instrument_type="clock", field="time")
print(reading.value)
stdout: 3:45:39
